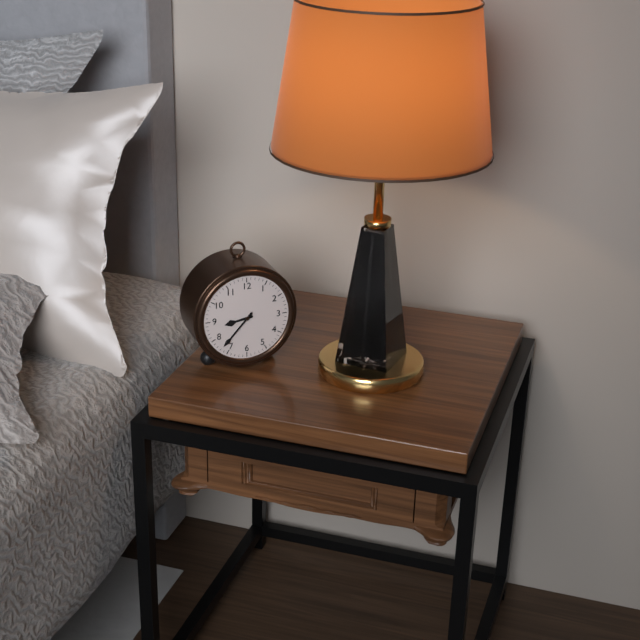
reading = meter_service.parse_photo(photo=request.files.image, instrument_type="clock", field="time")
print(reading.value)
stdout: 8:37
